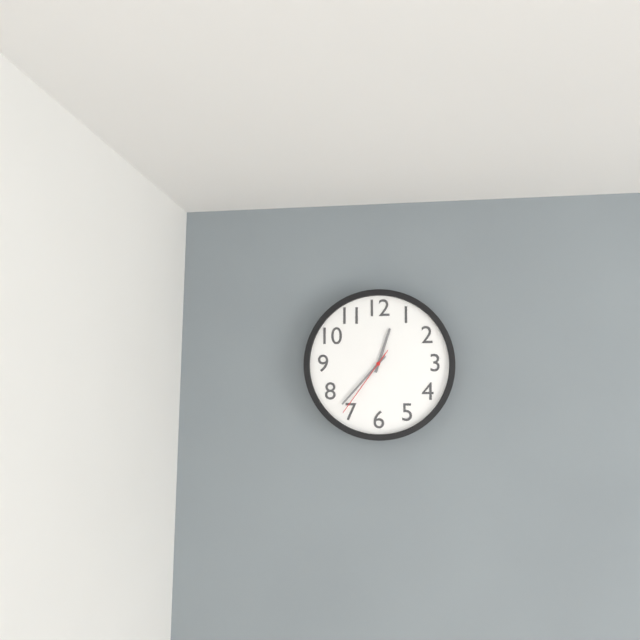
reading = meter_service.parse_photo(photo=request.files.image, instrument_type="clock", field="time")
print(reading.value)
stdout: 12:37:36
